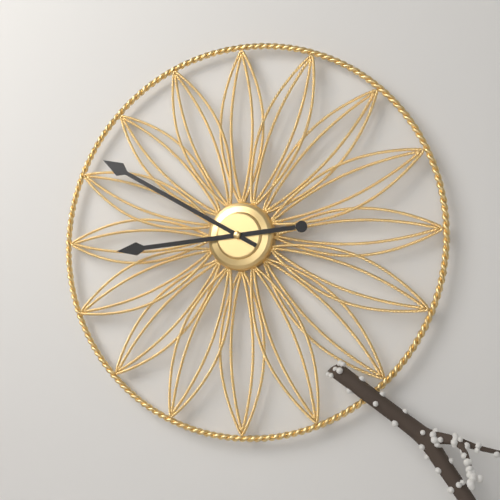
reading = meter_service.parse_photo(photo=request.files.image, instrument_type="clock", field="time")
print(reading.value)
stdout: 8:50
